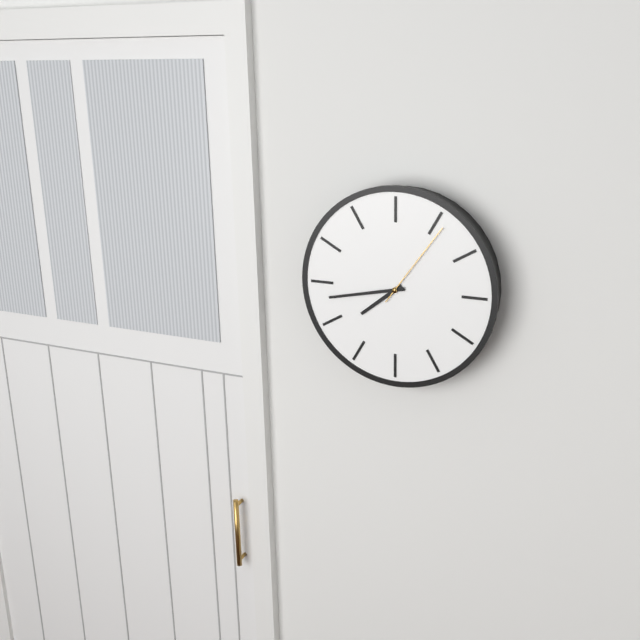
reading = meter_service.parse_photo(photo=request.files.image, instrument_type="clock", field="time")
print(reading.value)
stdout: 7:43:06
